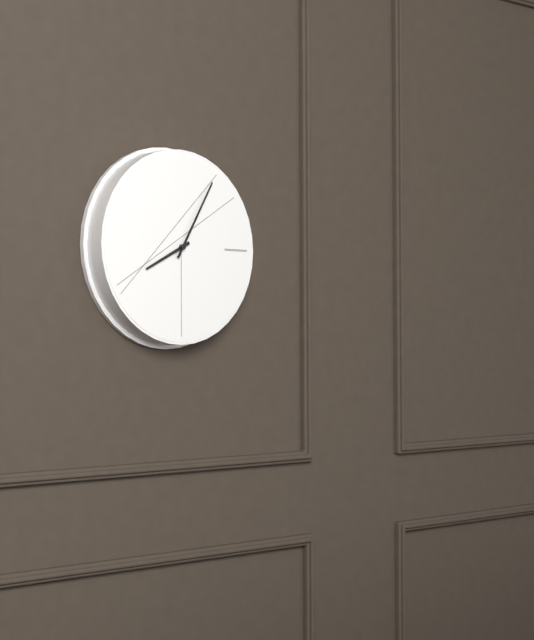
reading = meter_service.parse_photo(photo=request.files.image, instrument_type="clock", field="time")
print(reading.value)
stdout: 8:05
